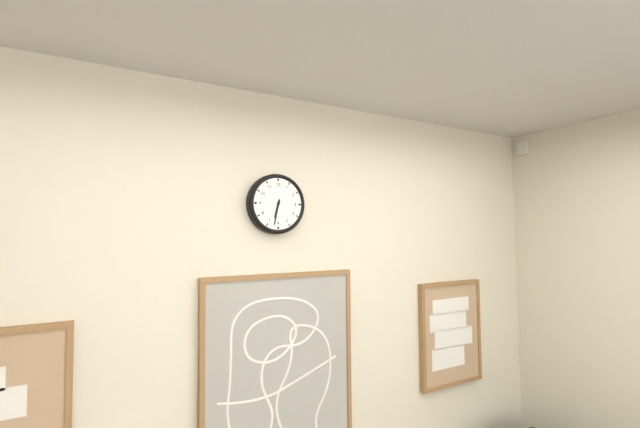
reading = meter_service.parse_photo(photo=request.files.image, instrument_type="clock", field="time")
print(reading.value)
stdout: 6:32
